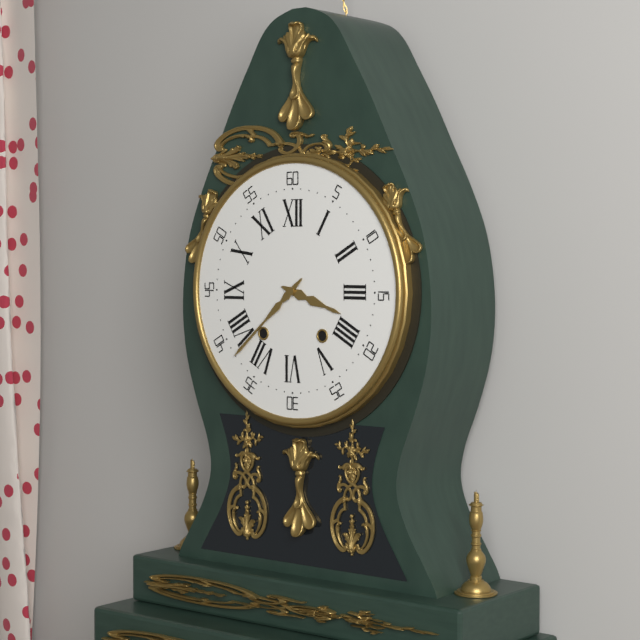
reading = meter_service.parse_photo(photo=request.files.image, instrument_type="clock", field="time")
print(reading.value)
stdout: 3:38
